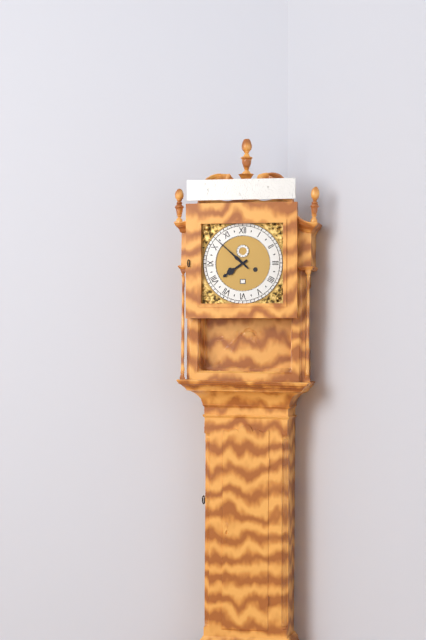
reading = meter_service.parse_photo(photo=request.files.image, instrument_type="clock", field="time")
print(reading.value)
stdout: 7:52
